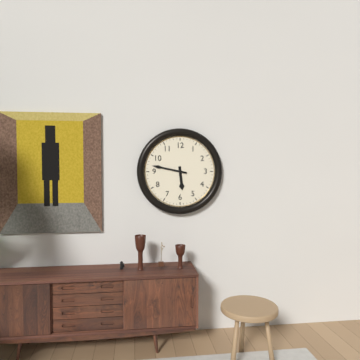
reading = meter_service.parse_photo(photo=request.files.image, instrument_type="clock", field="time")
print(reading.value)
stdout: 5:47
